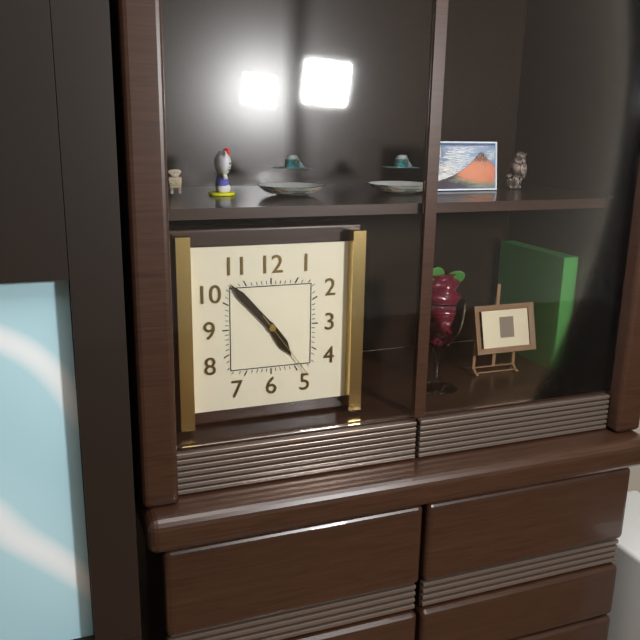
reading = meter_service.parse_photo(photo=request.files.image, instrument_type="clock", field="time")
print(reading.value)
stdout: 4:53:24
